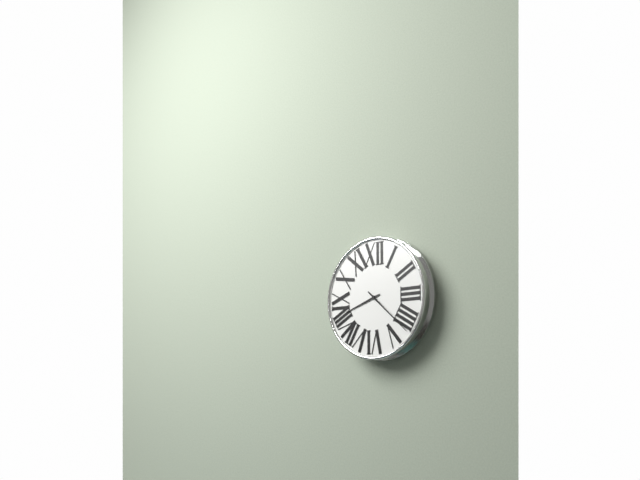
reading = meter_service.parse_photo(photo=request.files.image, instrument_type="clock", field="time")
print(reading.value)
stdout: 8:22
